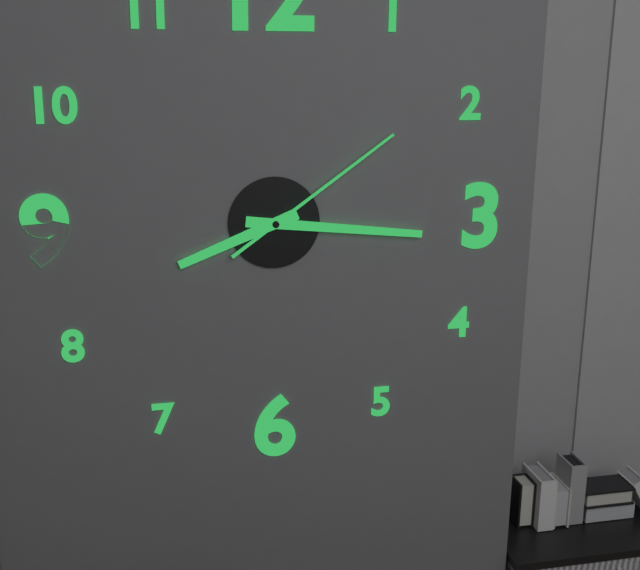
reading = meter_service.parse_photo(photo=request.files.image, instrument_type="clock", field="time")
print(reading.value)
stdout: 8:16:09
